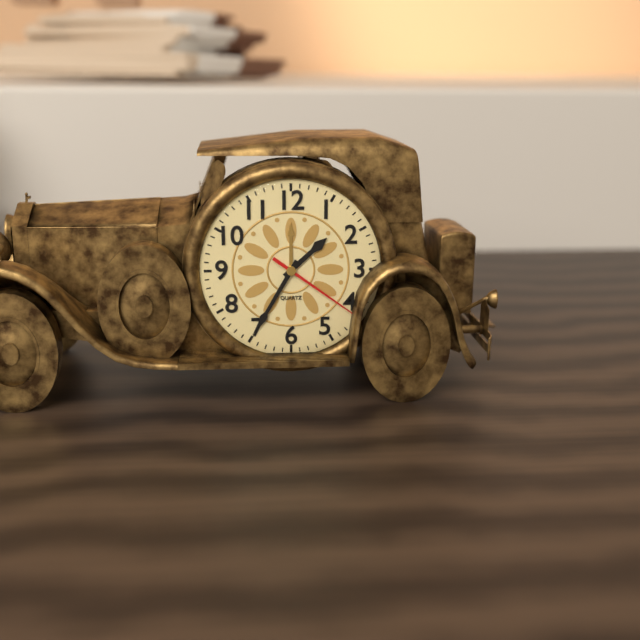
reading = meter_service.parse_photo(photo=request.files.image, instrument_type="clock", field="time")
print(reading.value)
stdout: 1:35:21
